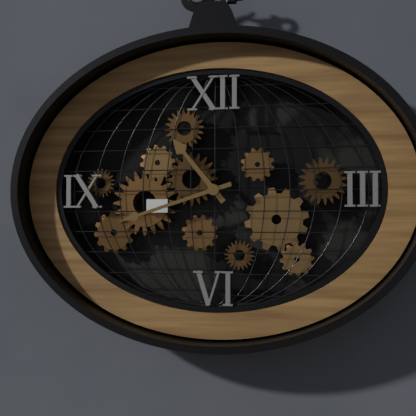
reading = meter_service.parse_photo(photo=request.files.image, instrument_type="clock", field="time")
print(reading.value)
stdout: 10:42
